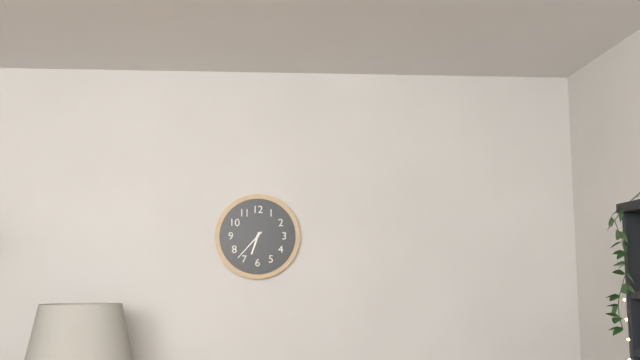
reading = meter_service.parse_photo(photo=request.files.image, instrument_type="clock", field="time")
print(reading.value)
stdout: 6:37
